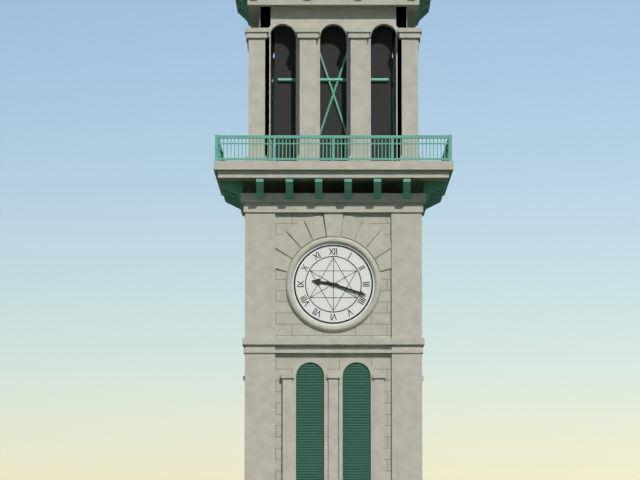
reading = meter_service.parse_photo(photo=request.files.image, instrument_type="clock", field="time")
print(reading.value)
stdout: 9:18
